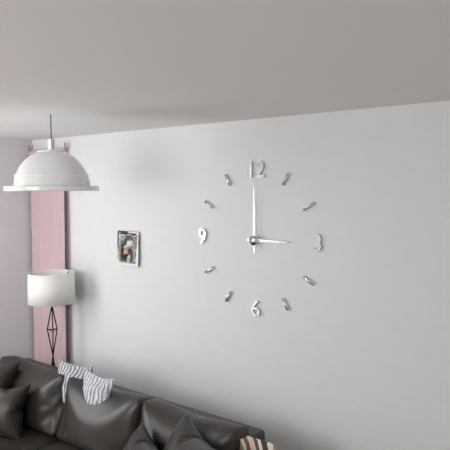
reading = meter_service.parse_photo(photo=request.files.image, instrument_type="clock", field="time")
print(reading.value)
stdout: 3:00
